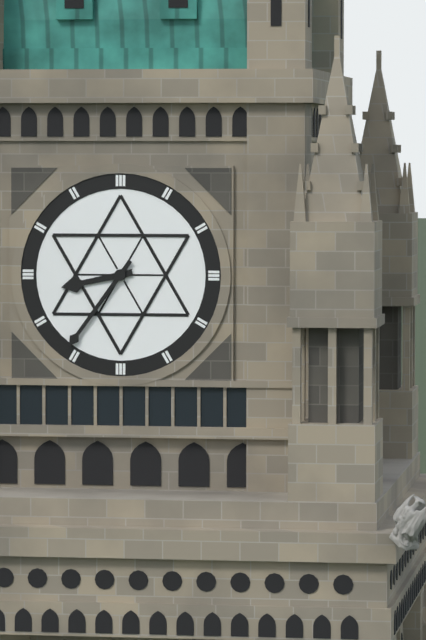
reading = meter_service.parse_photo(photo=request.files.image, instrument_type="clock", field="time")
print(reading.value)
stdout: 8:36
